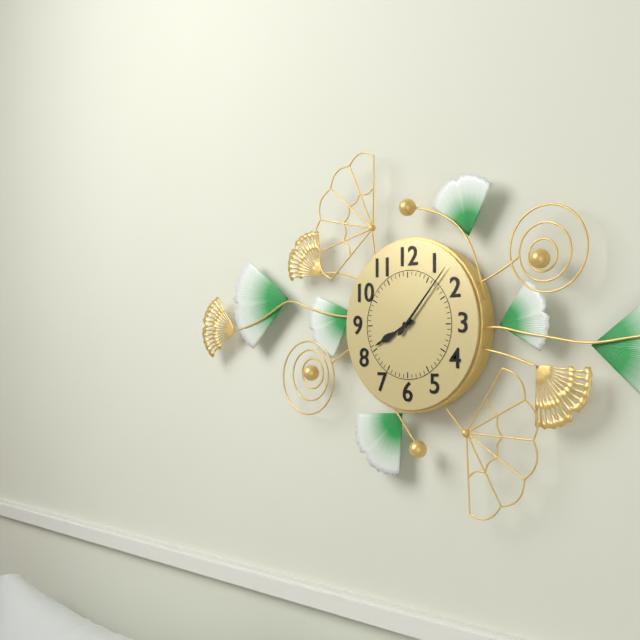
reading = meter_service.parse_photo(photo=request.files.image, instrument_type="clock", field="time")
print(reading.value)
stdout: 8:07
